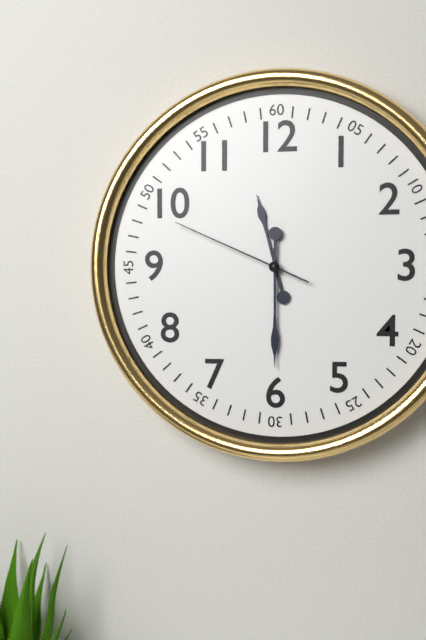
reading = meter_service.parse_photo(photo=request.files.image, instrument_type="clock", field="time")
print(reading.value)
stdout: 11:30:49
